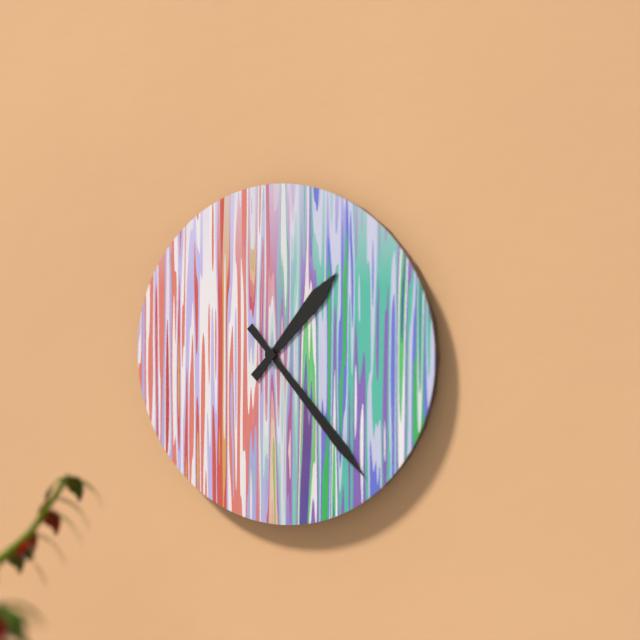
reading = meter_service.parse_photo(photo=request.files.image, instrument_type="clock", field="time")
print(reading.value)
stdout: 1:23
